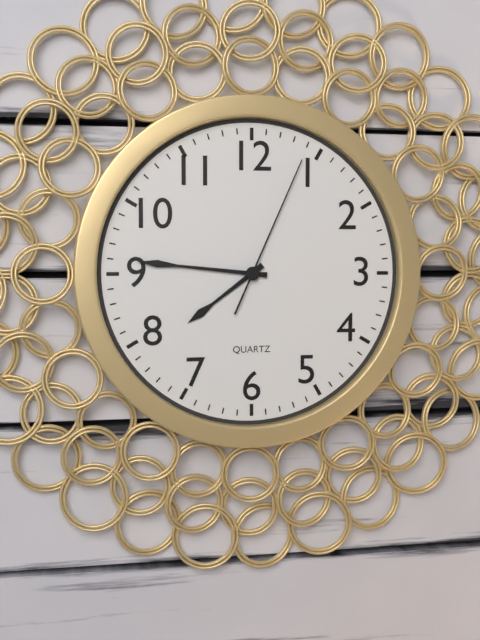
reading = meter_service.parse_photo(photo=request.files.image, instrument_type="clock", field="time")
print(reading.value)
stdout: 7:46:04
